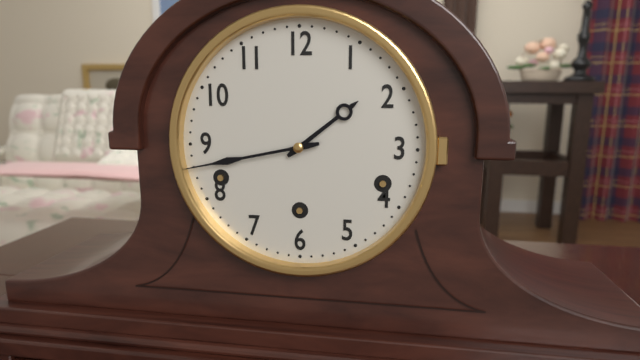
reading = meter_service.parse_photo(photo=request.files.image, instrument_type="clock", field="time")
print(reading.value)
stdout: 1:43
